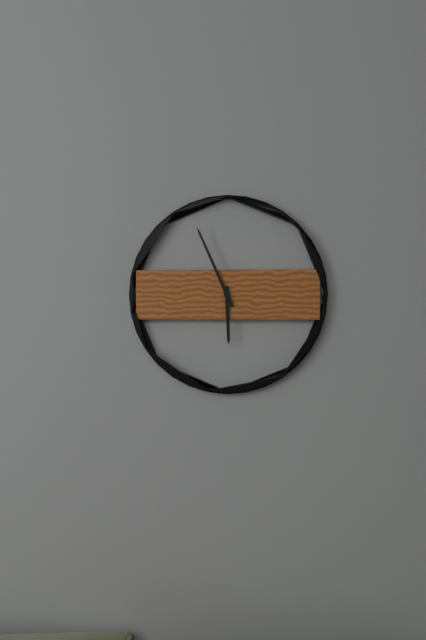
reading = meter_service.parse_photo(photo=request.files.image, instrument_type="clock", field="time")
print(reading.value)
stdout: 5:56
